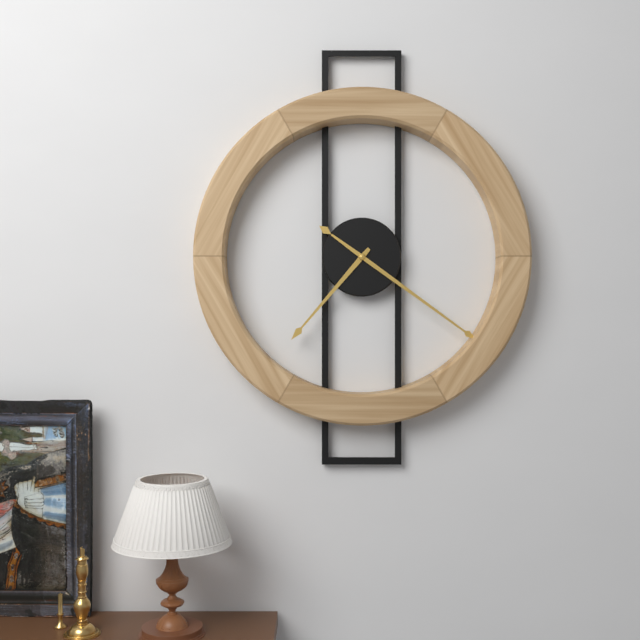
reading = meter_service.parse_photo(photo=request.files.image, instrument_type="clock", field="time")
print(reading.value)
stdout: 7:21
